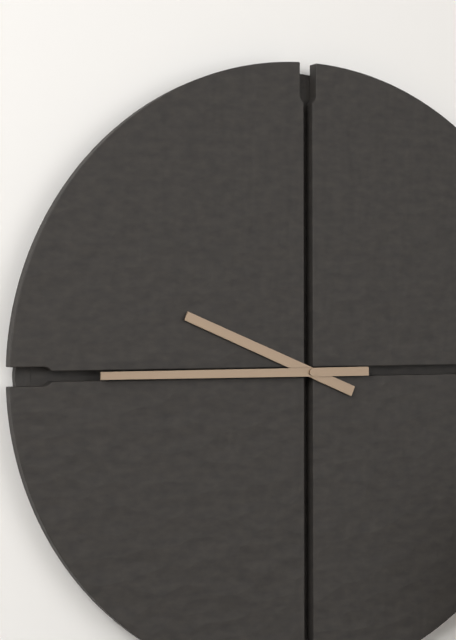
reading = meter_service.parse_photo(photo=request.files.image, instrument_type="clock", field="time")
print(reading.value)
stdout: 9:45
